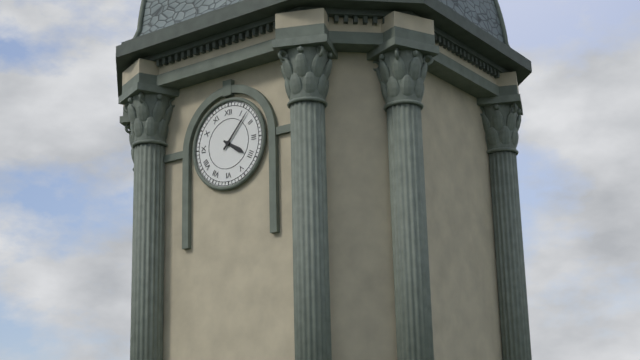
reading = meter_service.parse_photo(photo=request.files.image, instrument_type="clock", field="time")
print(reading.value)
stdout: 4:07
